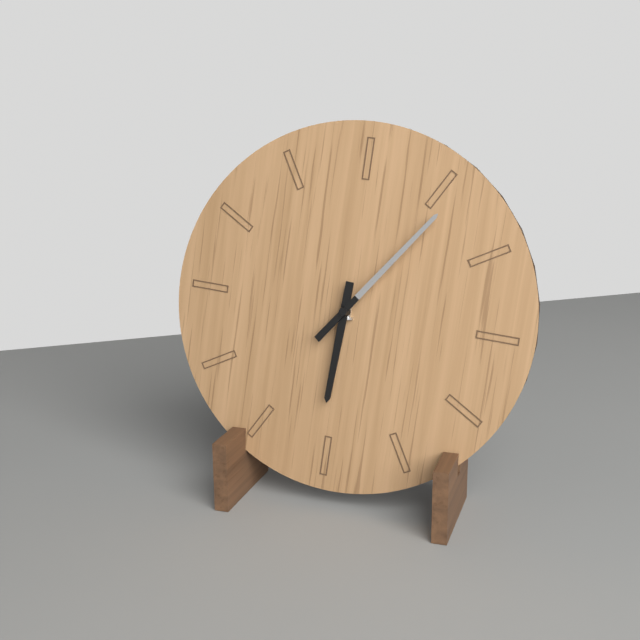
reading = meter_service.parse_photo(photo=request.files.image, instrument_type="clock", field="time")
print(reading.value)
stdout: 6:06
